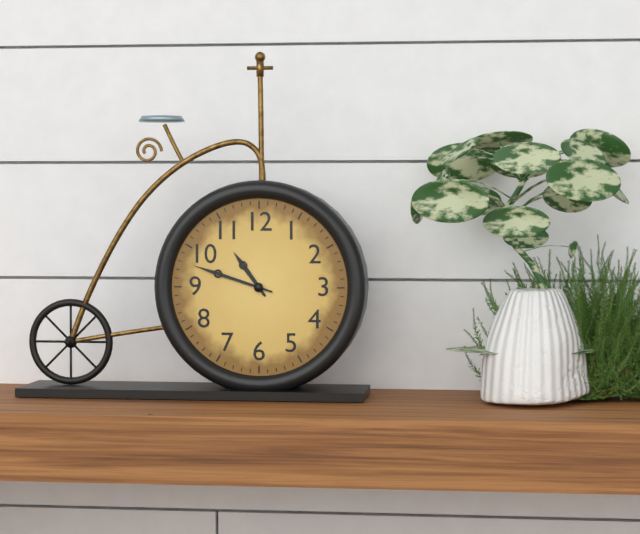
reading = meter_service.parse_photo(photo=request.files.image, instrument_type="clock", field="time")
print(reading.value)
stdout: 10:48
